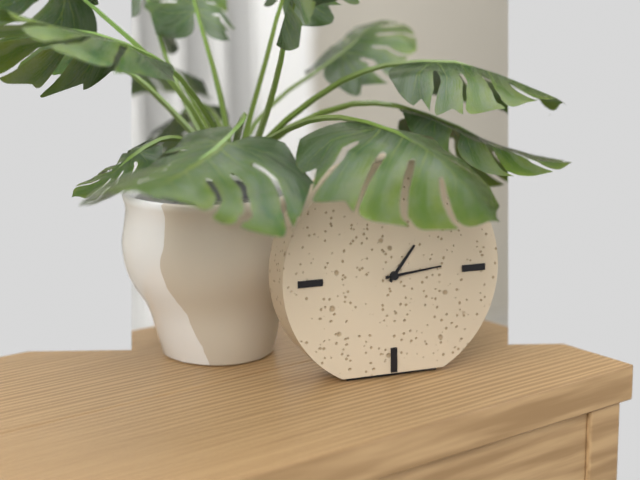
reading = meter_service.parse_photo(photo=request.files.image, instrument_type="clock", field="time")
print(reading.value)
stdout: 1:14
